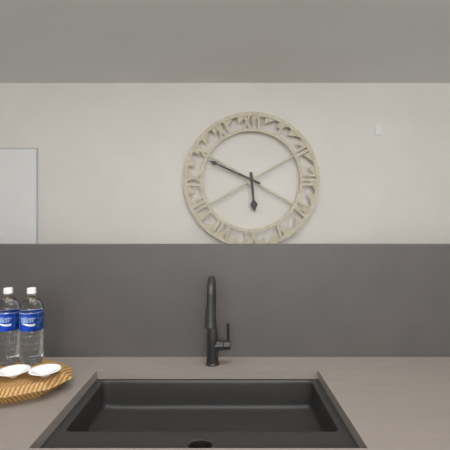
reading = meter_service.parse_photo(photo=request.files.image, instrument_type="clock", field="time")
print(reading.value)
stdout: 5:49
